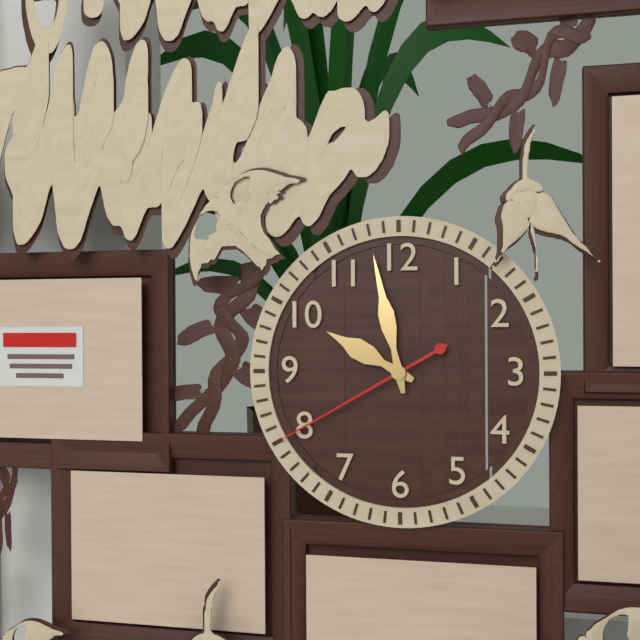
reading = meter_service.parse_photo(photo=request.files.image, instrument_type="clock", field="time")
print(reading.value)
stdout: 9:58:40
